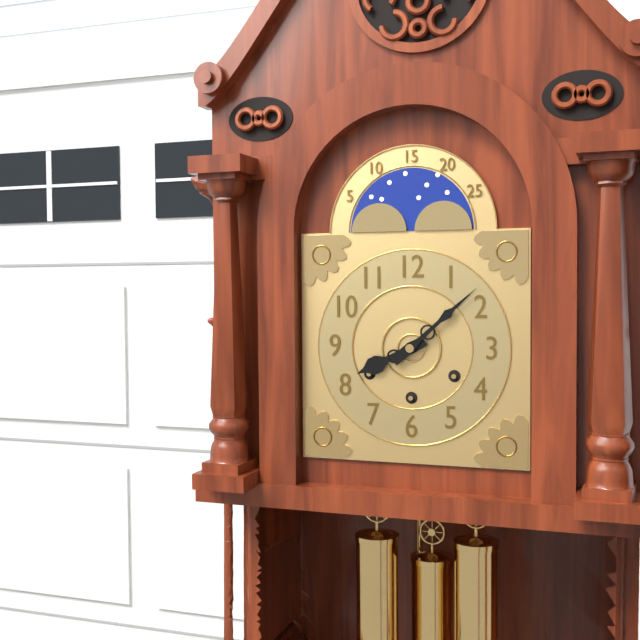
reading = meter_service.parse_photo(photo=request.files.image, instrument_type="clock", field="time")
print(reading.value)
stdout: 8:08
